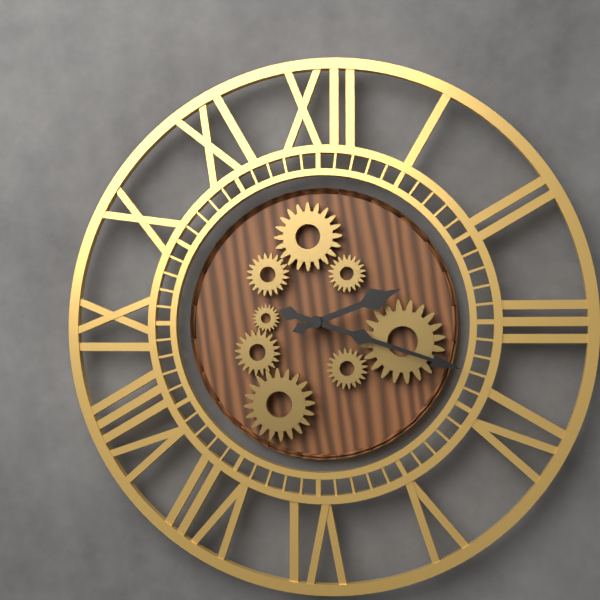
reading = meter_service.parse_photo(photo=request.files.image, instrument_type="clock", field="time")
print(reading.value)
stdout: 2:18
